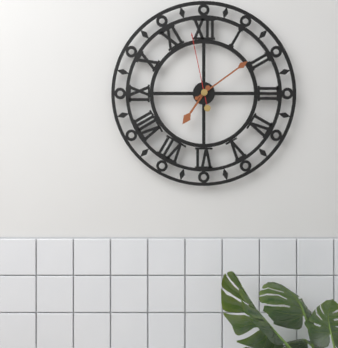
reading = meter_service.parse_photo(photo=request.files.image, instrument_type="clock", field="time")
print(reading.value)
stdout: 7:09:58
